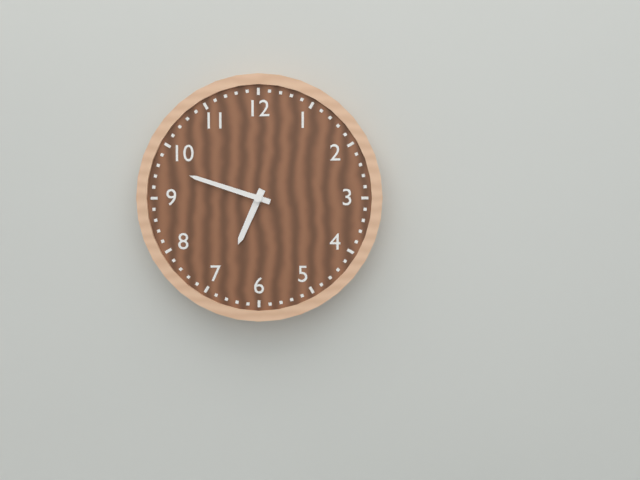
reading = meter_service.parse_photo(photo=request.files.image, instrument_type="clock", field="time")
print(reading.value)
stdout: 6:48
